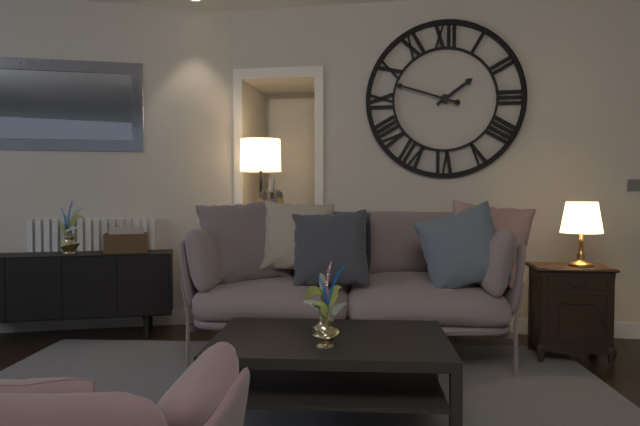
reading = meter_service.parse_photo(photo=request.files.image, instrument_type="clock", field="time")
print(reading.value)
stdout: 1:48
